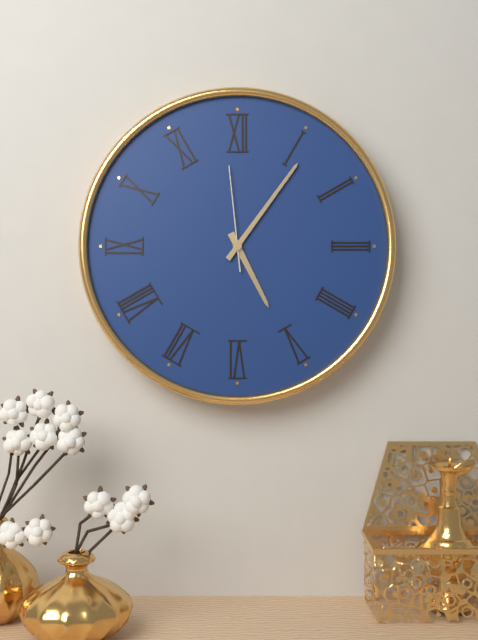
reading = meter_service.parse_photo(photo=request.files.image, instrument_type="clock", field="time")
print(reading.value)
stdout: 5:06:59
